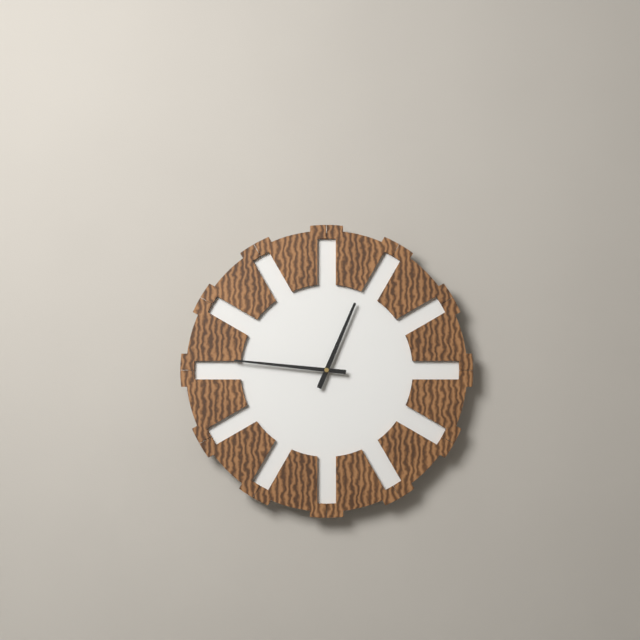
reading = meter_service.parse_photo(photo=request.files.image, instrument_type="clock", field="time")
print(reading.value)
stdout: 12:46
